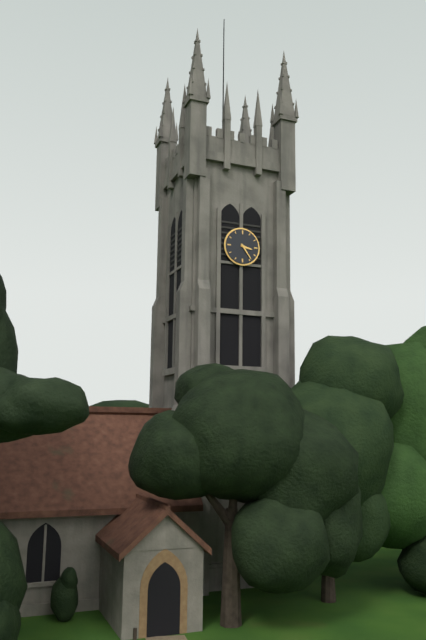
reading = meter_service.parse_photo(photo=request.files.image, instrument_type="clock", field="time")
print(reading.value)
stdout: 3:24
